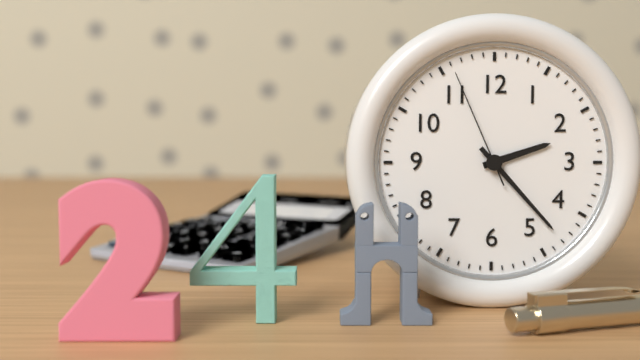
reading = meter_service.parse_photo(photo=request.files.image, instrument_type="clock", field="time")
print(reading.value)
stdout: 2:23:56
